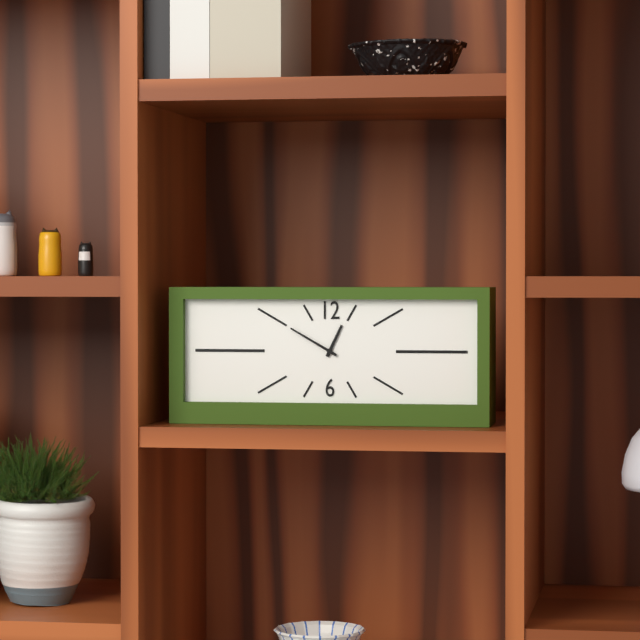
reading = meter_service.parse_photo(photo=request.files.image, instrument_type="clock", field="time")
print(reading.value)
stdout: 12:50
